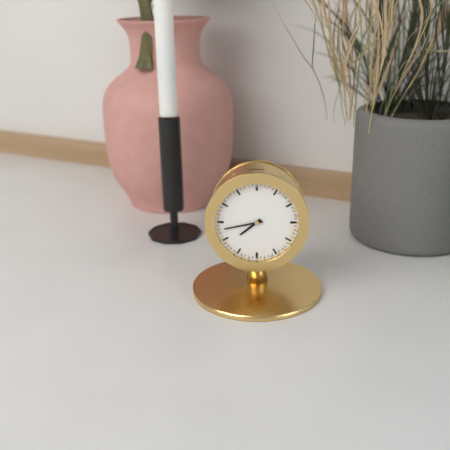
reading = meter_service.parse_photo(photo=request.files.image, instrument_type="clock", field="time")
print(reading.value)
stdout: 7:43
